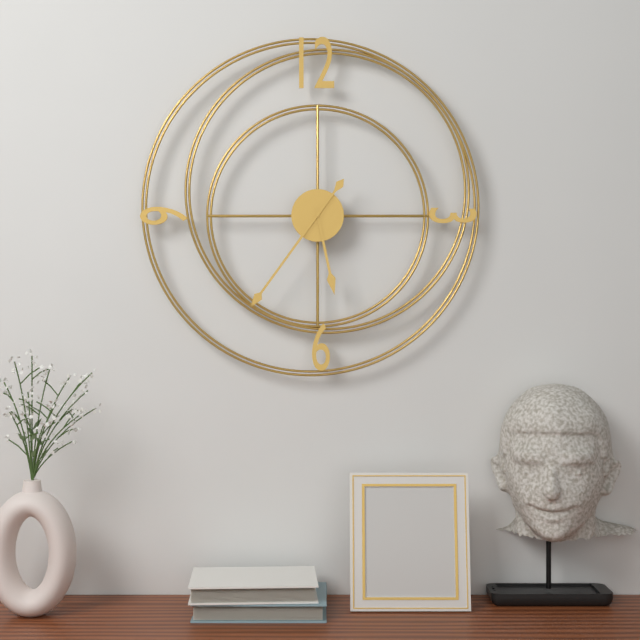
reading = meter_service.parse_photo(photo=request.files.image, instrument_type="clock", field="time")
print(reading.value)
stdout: 5:36
